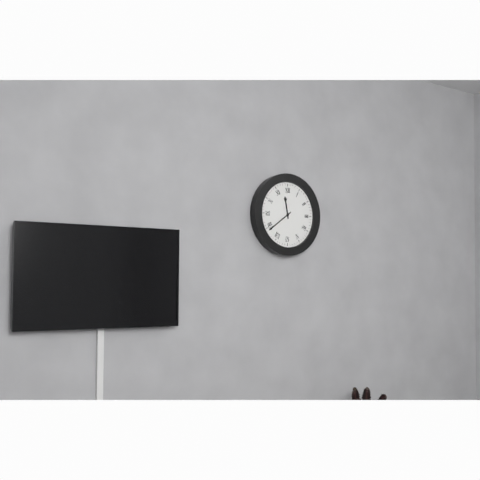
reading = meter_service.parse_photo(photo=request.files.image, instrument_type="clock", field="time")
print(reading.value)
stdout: 11:39
